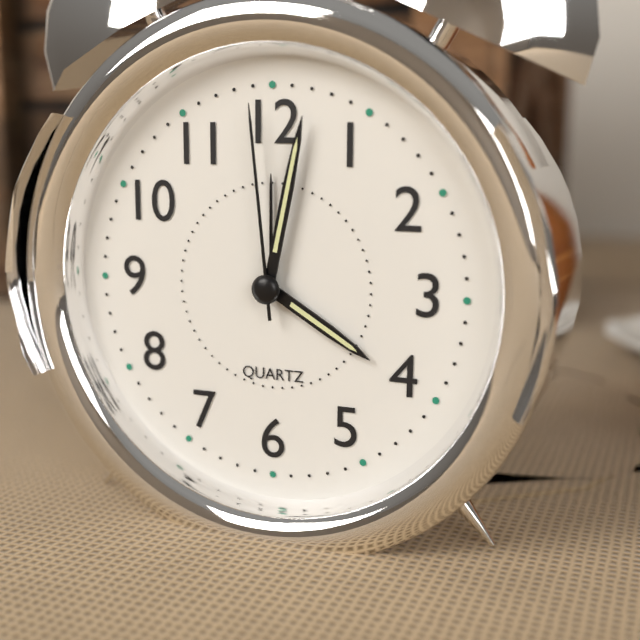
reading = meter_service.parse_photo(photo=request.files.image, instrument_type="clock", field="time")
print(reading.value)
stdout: 4:02:59
